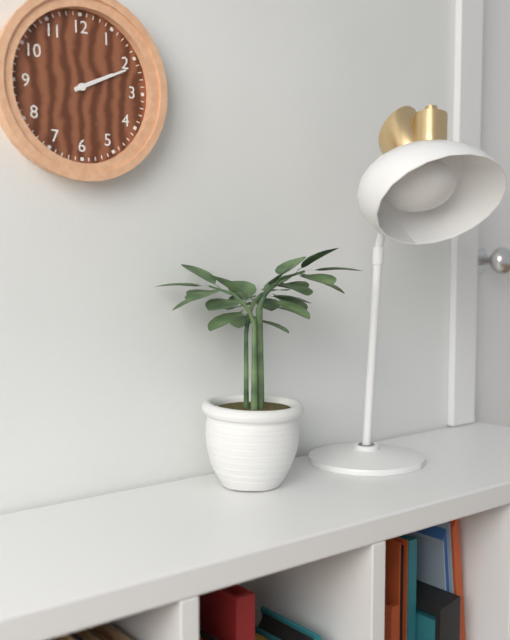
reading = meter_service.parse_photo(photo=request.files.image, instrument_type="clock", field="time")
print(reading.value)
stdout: 2:11
